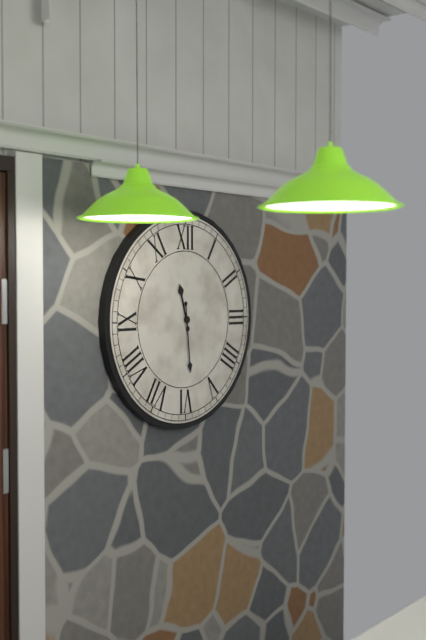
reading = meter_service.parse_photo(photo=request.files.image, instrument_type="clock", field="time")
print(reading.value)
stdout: 11:29
